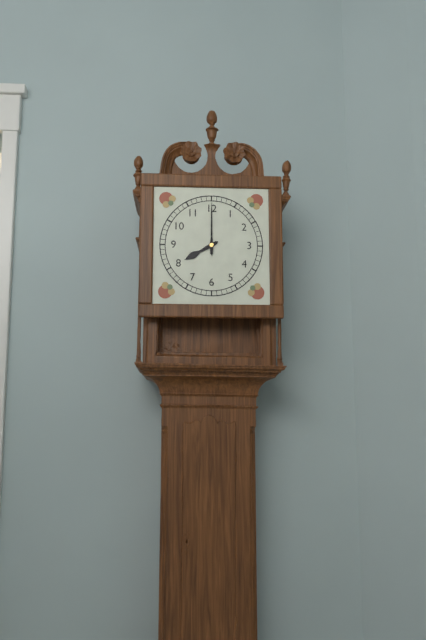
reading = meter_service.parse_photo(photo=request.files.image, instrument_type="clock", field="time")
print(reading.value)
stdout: 8:00
